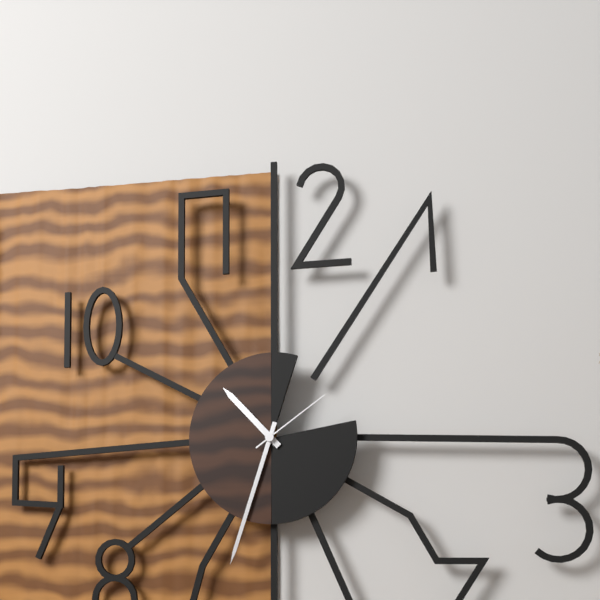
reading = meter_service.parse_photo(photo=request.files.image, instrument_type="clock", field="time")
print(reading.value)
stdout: 10:33:09
